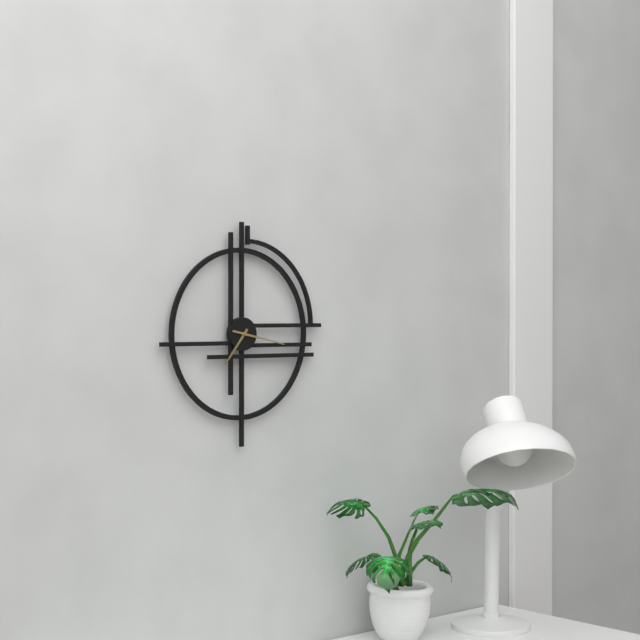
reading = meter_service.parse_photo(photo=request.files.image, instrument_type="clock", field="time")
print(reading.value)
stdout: 7:17
